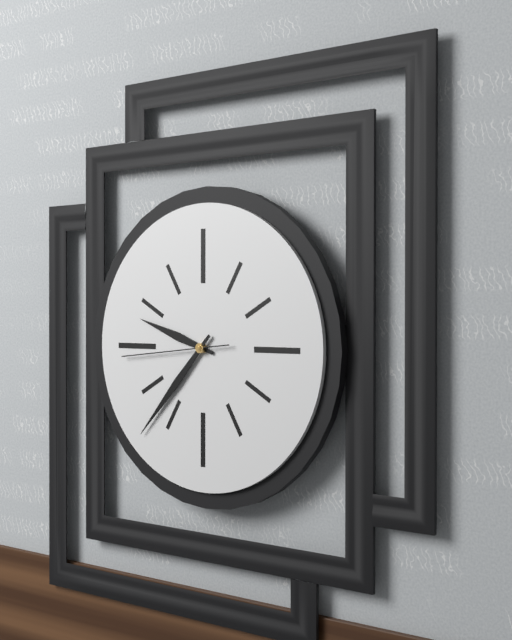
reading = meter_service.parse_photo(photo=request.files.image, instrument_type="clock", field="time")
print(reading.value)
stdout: 9:37:44
